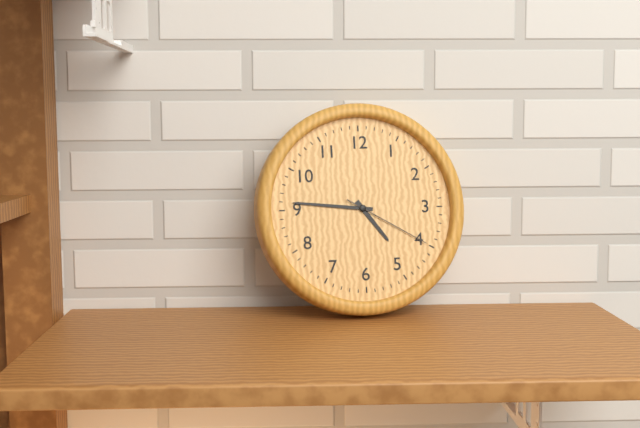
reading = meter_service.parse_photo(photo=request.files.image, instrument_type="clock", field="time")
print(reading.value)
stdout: 4:46:20
